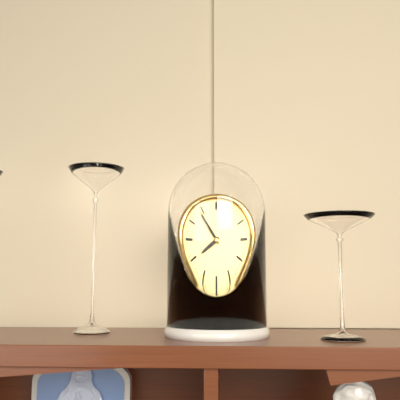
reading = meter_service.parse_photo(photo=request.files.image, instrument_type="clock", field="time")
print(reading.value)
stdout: 7:54
